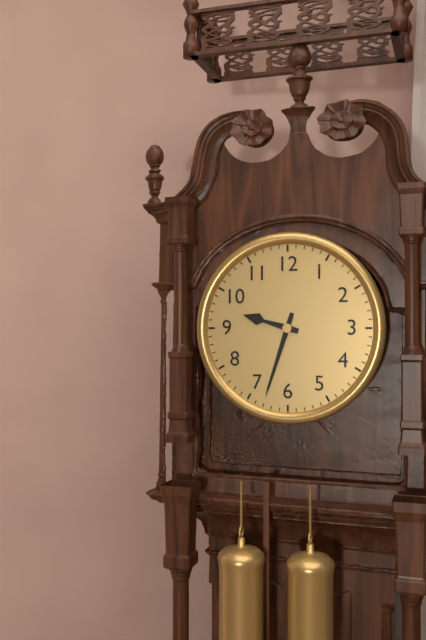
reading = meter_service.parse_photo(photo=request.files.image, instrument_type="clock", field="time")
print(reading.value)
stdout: 9:33
